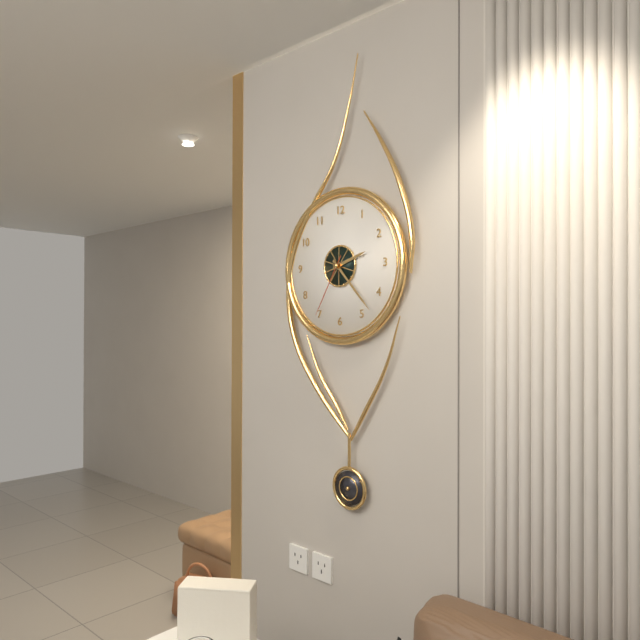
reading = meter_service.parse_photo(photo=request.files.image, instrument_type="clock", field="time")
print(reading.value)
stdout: 2:23:35
